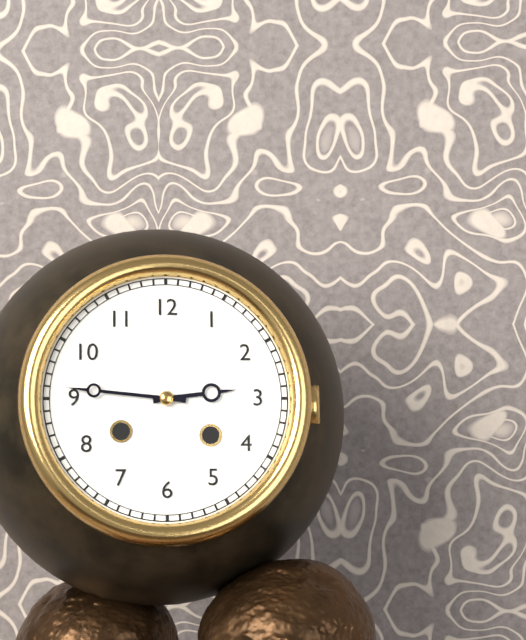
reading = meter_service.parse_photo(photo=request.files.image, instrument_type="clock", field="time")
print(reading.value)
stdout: 2:46
